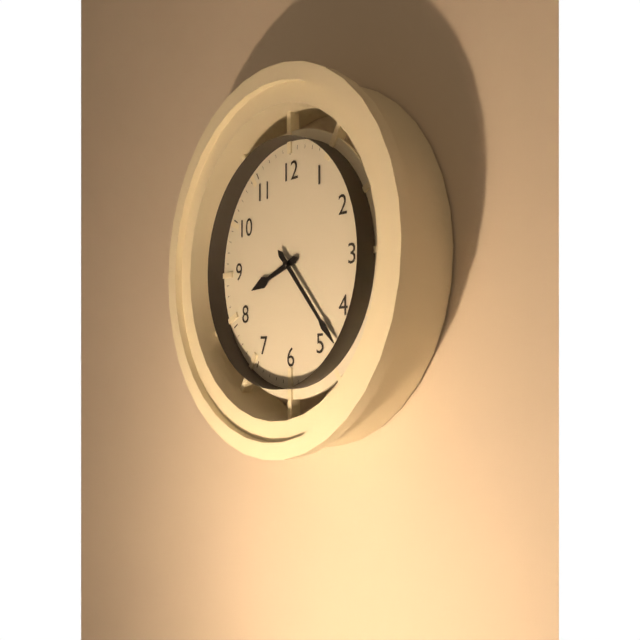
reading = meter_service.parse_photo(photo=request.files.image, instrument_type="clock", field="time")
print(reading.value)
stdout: 8:23
